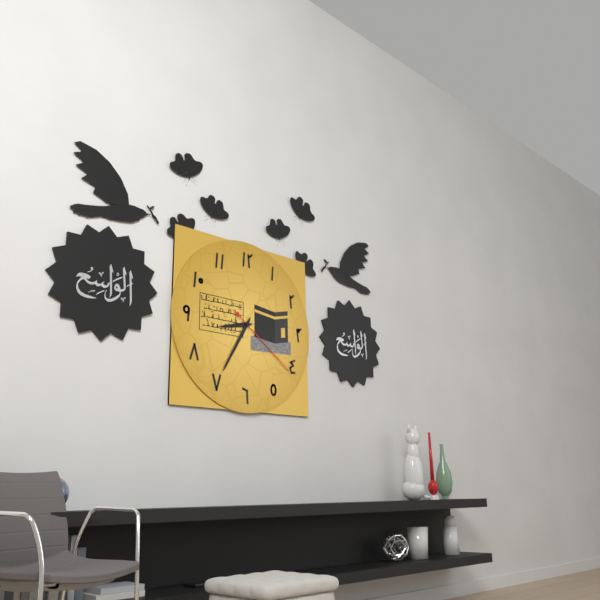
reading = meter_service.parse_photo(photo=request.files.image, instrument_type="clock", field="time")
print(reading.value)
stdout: 8:35:21
